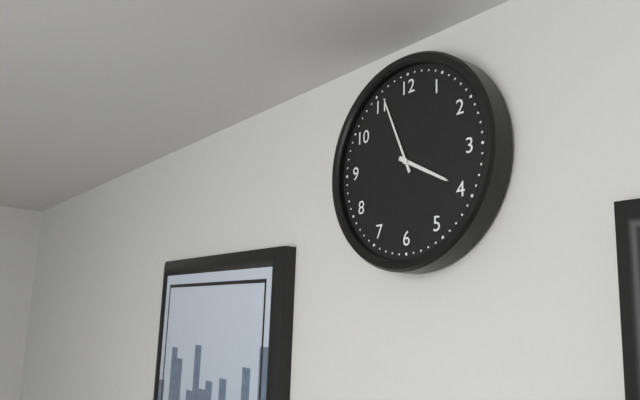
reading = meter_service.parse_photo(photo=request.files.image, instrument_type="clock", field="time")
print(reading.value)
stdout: 3:56
